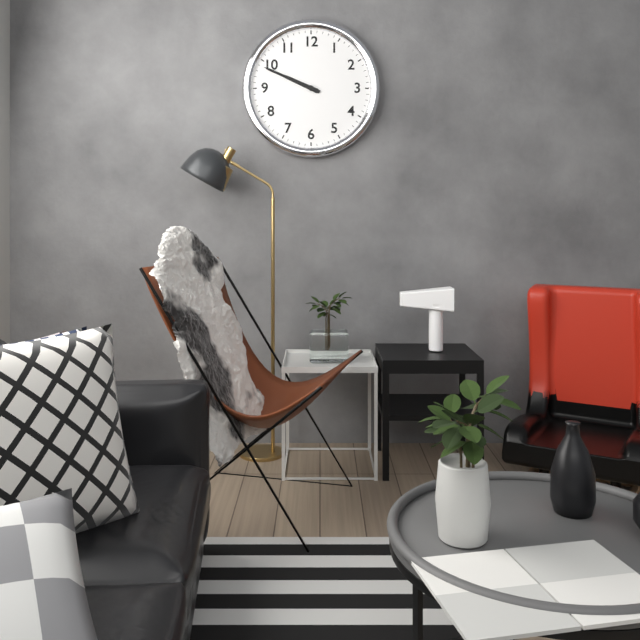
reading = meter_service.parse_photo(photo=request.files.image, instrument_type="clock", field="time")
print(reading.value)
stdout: 9:49
